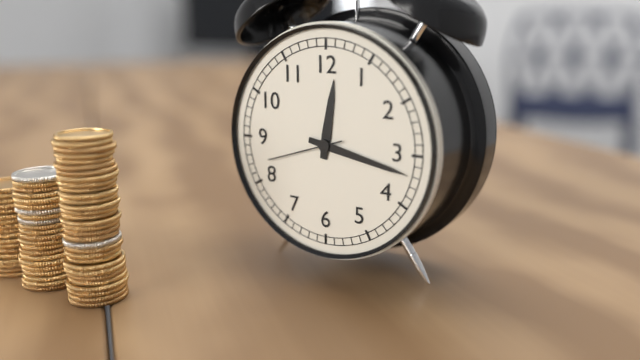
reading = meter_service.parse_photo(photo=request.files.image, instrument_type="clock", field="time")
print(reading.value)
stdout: 12:17:42
